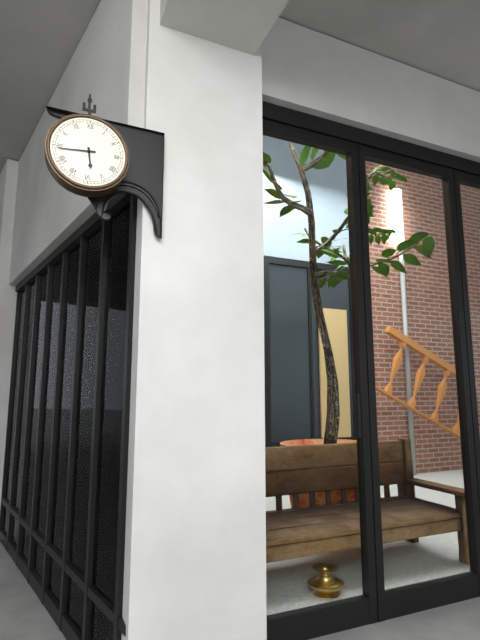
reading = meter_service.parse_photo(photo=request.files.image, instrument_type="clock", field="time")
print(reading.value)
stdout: 5:44
